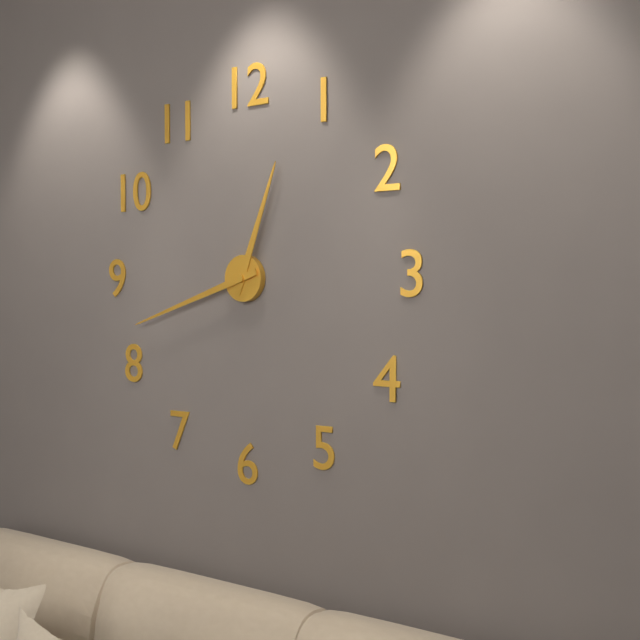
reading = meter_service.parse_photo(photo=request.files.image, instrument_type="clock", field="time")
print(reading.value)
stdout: 12:42
